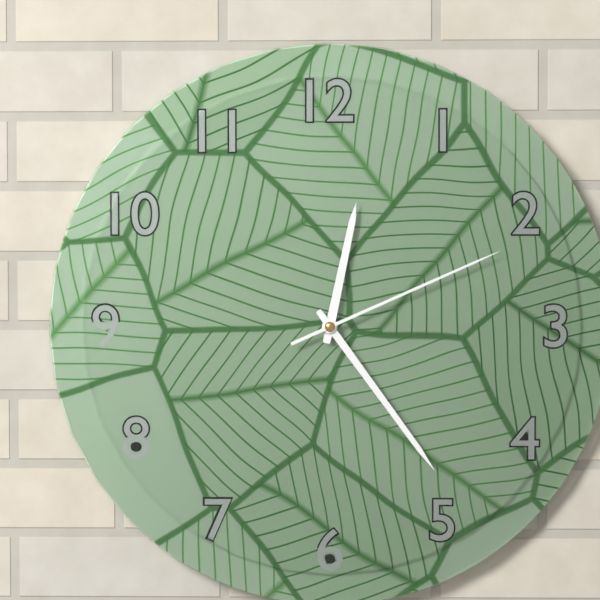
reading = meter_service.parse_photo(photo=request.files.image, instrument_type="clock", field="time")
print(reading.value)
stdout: 12:24:11
